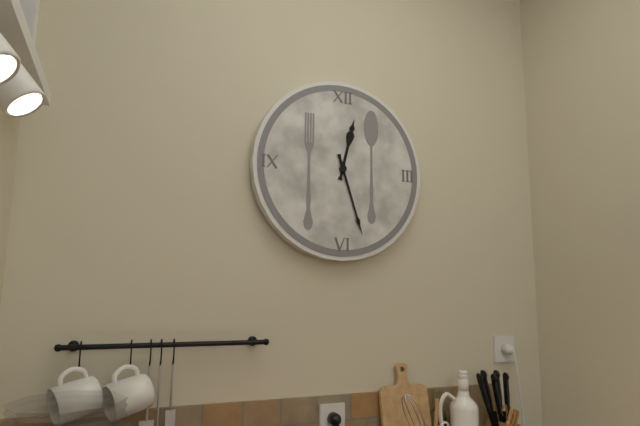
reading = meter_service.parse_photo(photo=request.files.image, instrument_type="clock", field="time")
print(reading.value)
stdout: 12:27
